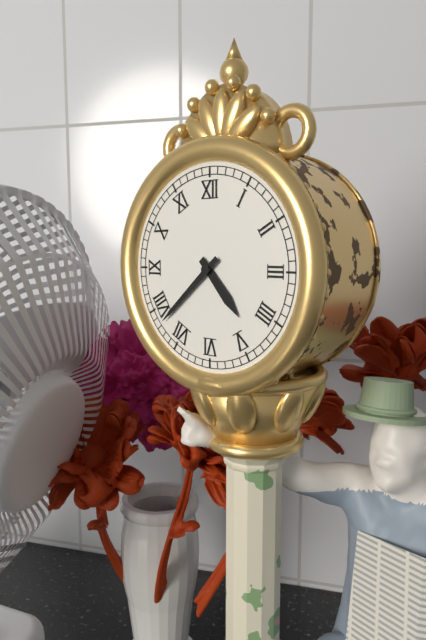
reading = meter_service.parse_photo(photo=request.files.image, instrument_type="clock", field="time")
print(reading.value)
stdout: 4:38
